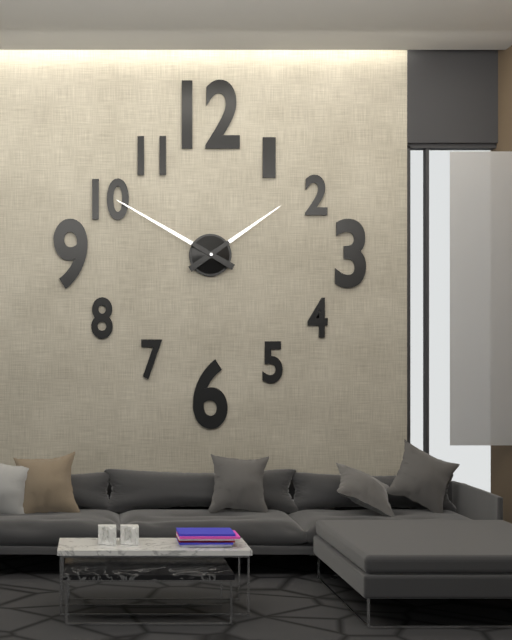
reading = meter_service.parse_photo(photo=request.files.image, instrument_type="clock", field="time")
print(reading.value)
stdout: 1:50
